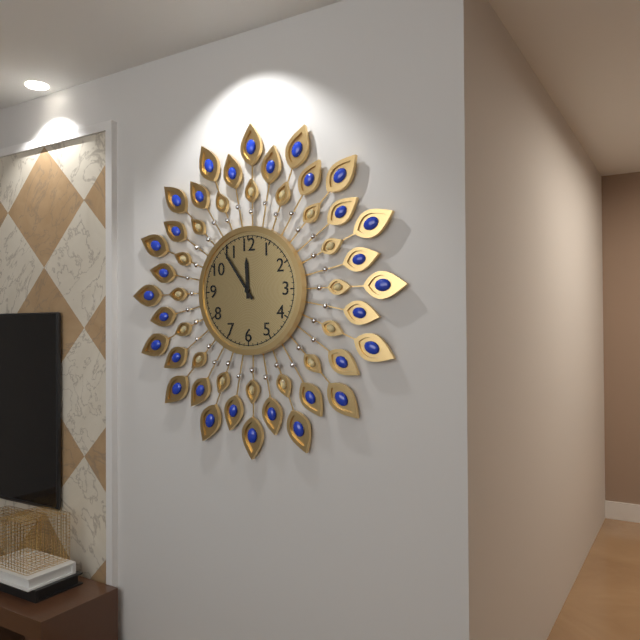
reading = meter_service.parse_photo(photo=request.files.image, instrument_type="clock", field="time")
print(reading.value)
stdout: 11:54
